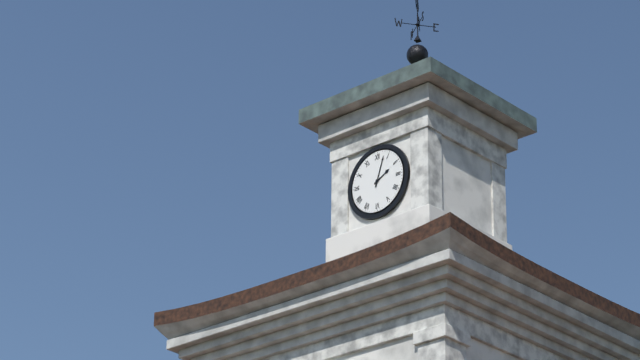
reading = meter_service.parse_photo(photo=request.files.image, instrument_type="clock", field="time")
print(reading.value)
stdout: 2:03
